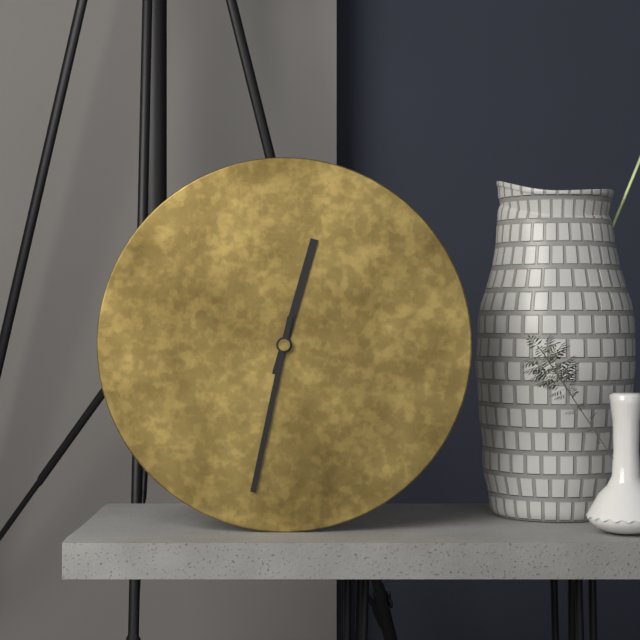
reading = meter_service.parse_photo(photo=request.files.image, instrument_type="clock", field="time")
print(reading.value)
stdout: 12:32
